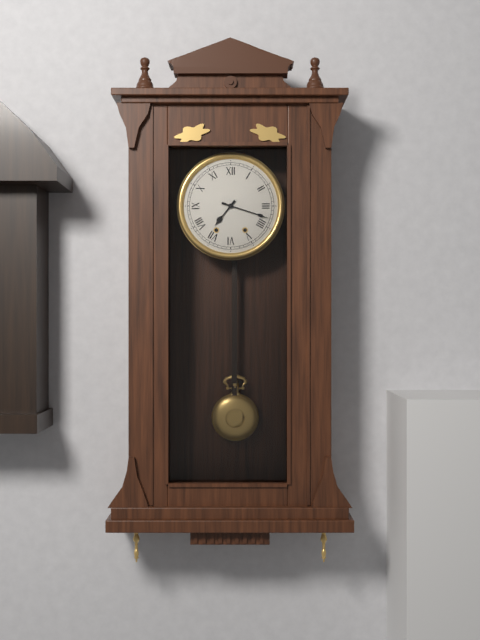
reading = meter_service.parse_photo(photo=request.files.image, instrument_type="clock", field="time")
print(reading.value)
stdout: 7:18
